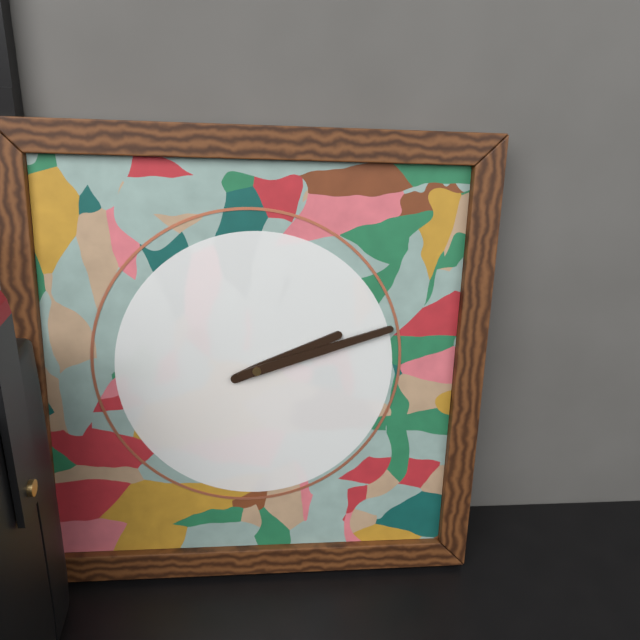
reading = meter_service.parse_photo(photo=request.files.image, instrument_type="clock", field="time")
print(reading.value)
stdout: 2:12
